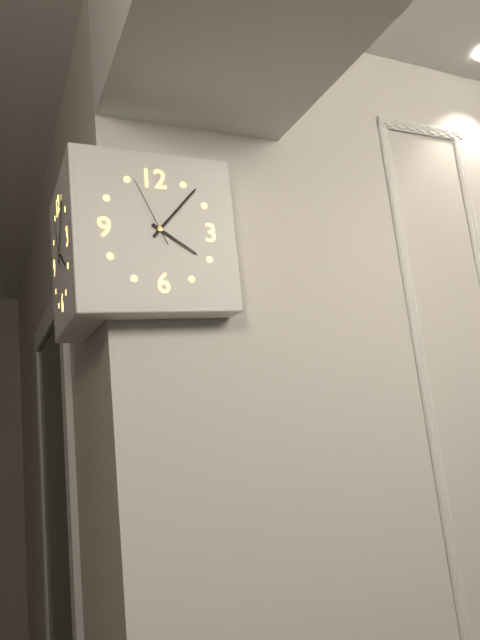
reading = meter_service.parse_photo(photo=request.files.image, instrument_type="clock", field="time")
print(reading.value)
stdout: 4:07:56
